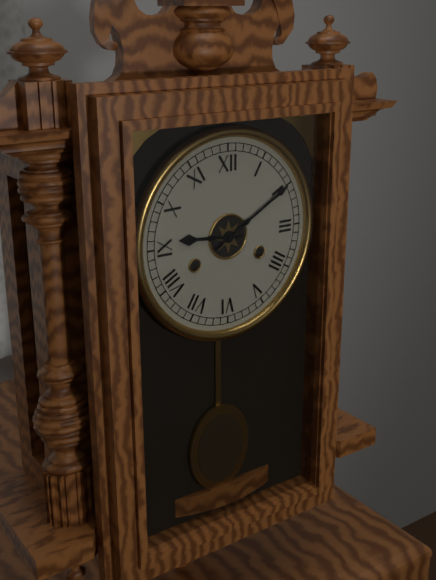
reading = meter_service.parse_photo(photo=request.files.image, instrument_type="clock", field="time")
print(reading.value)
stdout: 9:10
